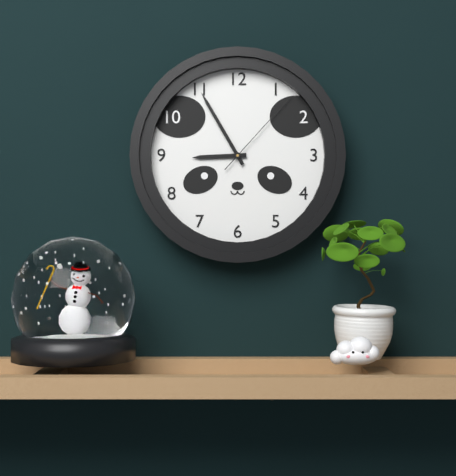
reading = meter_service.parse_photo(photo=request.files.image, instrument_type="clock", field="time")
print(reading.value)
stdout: 8:55:07
